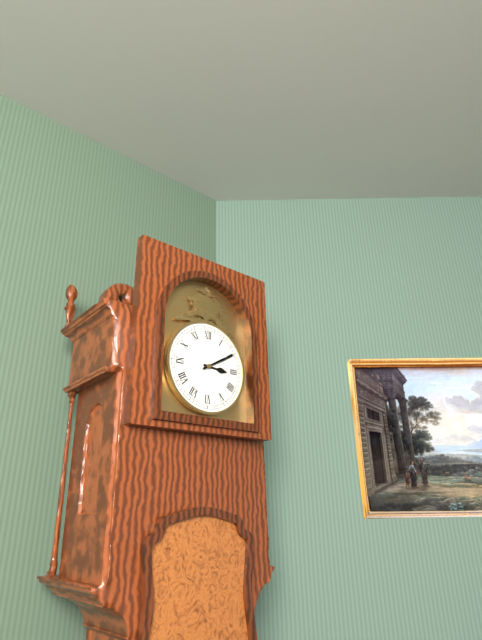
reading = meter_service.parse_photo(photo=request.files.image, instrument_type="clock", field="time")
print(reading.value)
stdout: 3:10
